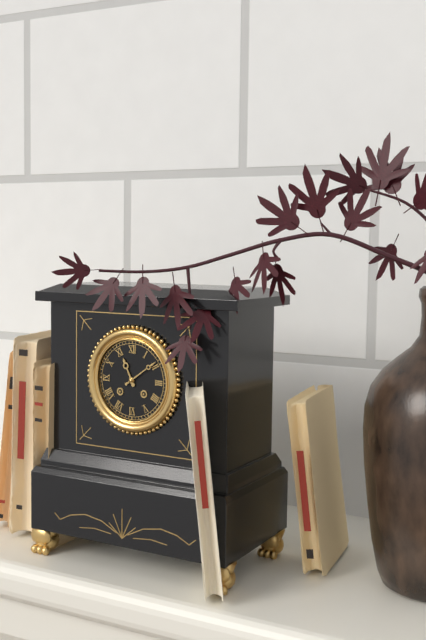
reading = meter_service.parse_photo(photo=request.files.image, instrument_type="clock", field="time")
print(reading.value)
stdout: 11:09
